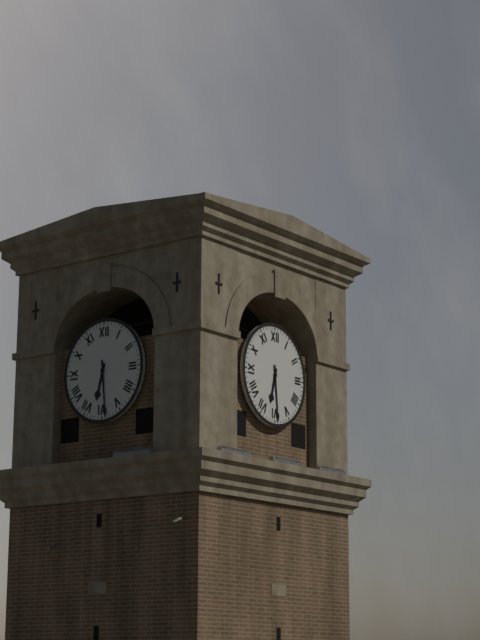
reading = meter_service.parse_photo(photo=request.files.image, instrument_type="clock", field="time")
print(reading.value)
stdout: 6:29
